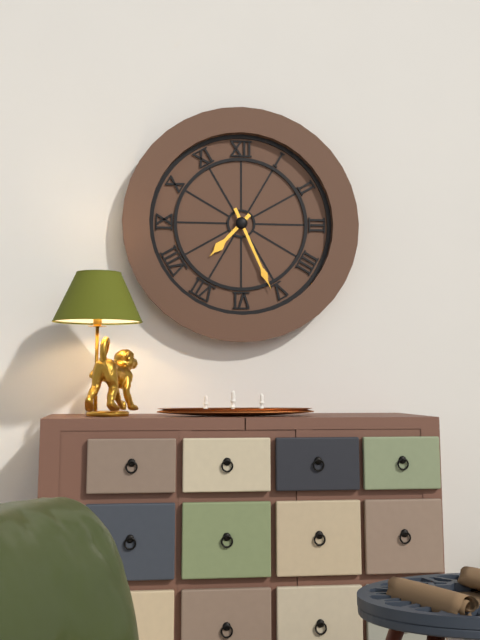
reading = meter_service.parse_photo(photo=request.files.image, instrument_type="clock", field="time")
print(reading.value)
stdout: 7:26
